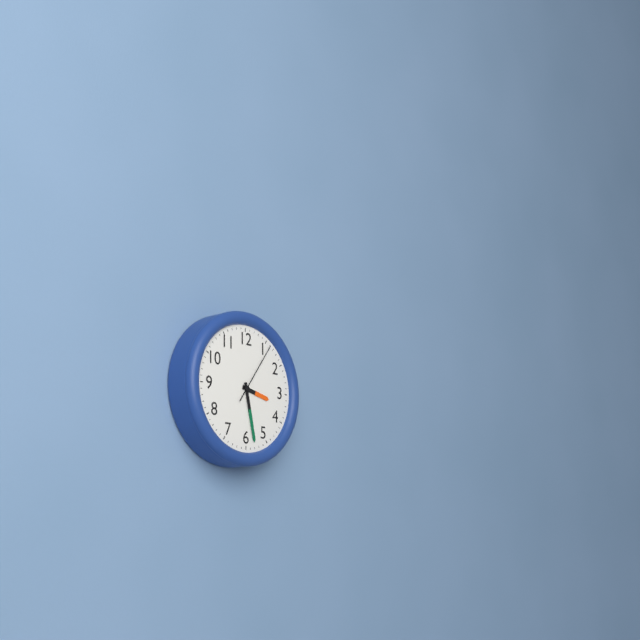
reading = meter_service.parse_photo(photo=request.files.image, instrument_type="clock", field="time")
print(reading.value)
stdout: 3:28:06
